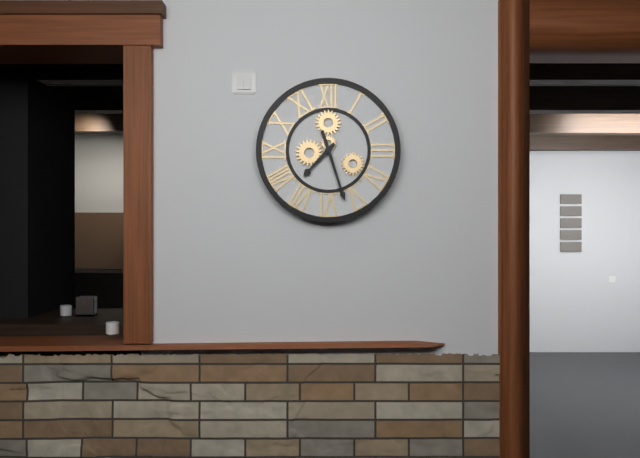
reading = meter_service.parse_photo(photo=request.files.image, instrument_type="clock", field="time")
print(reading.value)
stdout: 7:27
